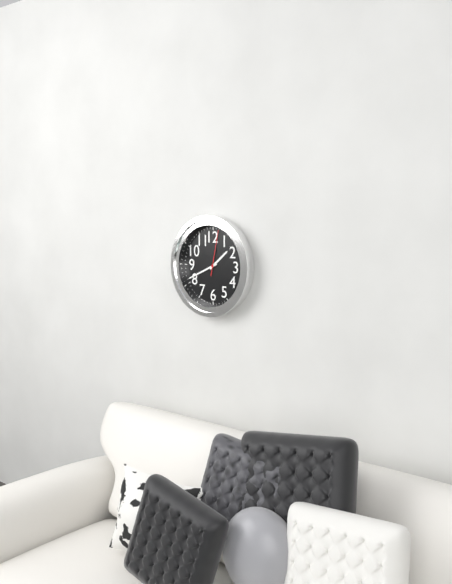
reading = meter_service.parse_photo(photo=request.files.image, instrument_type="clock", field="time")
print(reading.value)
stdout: 1:41
